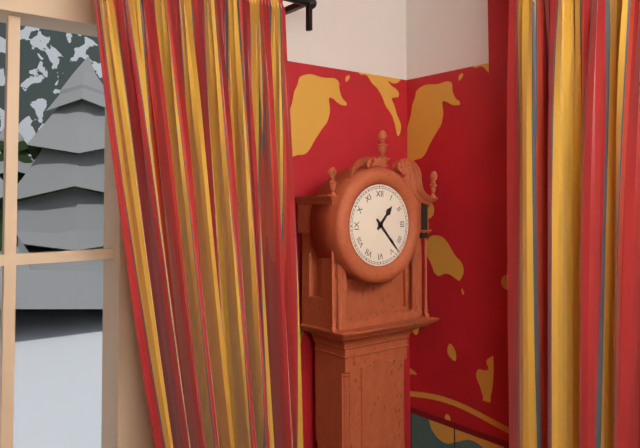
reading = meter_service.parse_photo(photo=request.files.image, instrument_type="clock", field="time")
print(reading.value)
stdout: 1:23
